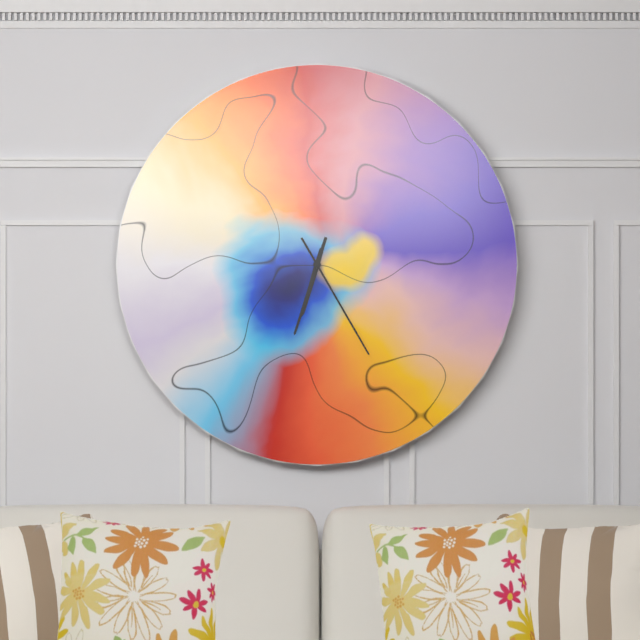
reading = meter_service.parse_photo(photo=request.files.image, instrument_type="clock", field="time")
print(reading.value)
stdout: 6:33:25
